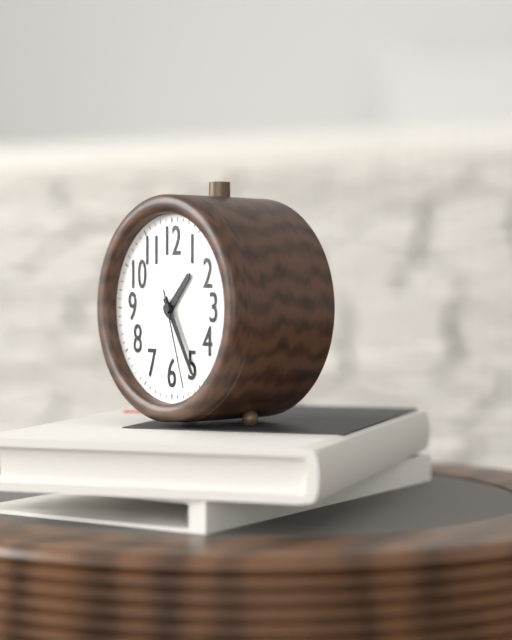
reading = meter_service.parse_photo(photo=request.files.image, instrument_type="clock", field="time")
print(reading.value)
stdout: 1:25:27
